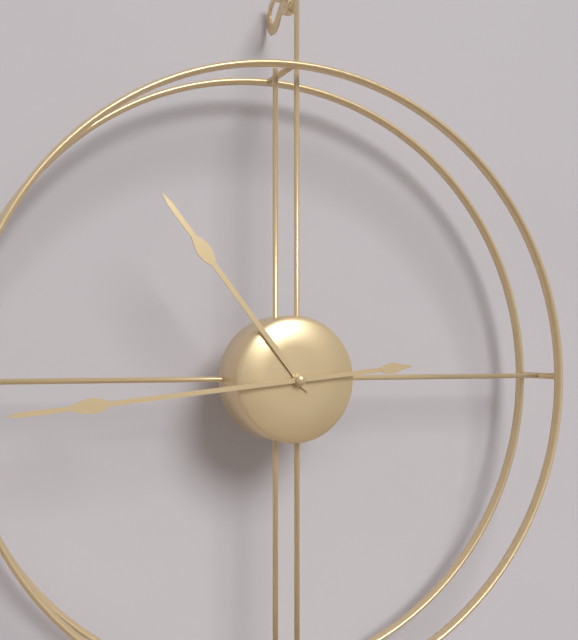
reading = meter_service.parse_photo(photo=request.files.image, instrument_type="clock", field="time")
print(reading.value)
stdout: 10:44
